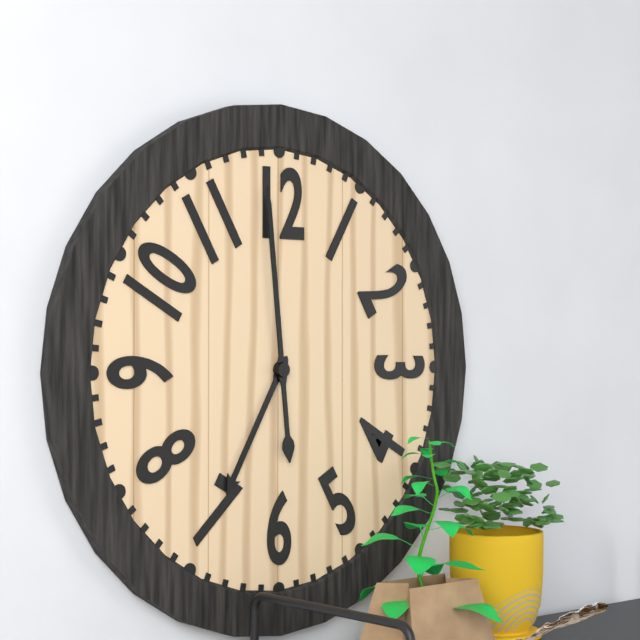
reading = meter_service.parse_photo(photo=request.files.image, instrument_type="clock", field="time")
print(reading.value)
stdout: 6:59
